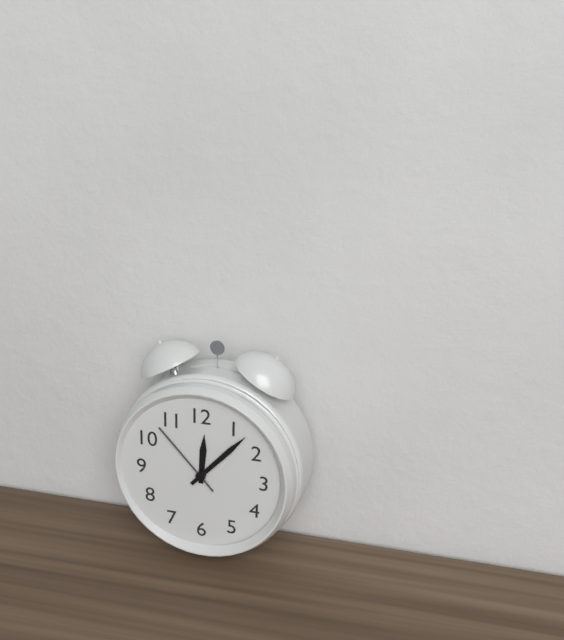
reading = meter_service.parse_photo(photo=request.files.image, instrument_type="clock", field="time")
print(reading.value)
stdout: 12:07:53
